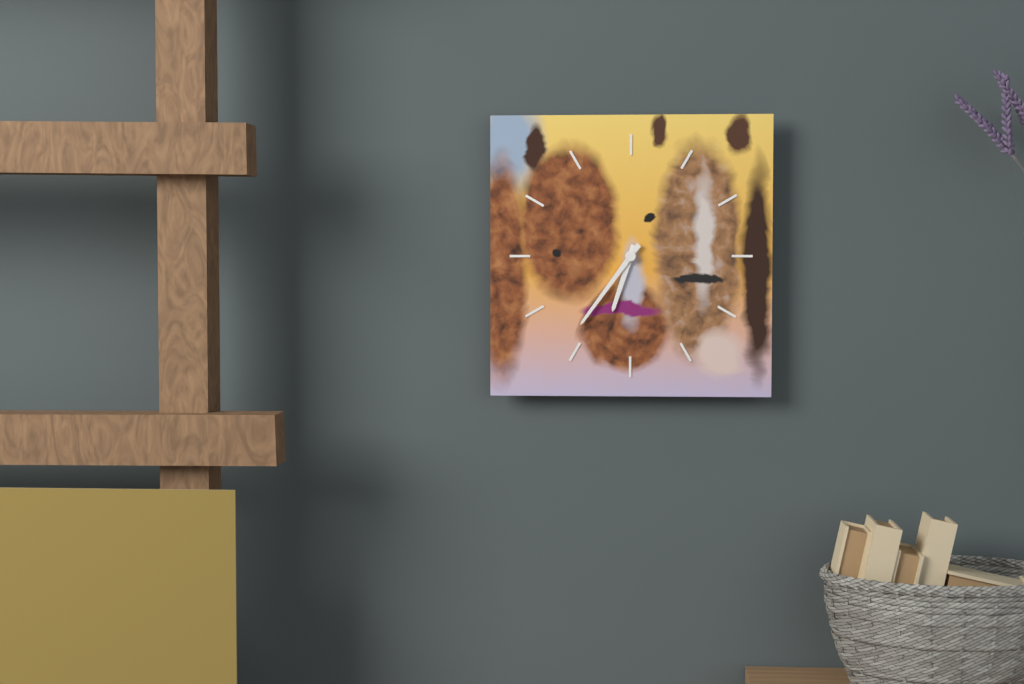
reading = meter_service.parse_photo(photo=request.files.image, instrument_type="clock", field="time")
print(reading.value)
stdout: 6:36
